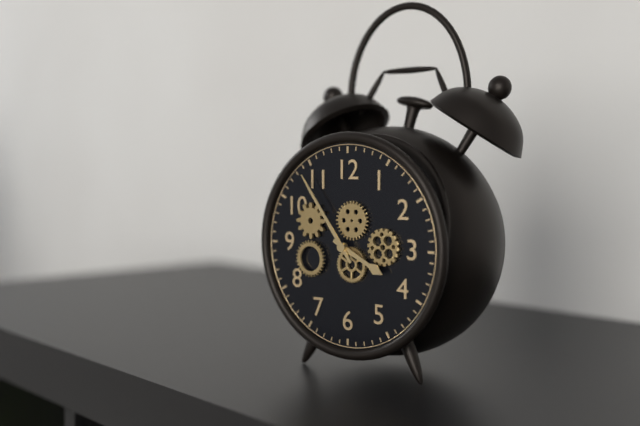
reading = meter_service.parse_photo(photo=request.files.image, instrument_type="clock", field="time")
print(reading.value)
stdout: 3:54
